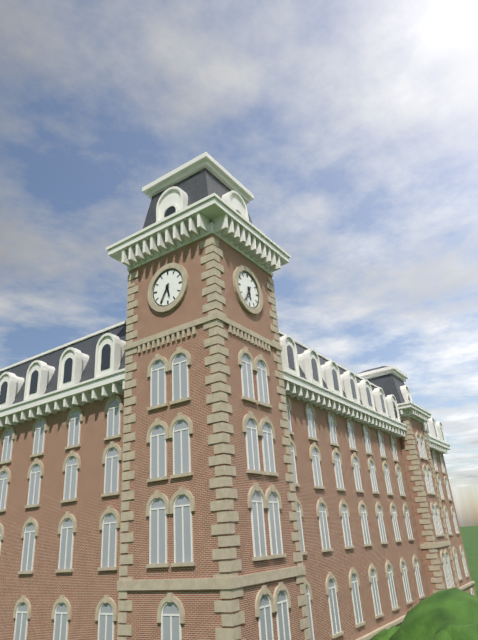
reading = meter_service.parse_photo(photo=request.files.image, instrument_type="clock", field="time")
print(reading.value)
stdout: 5:35
